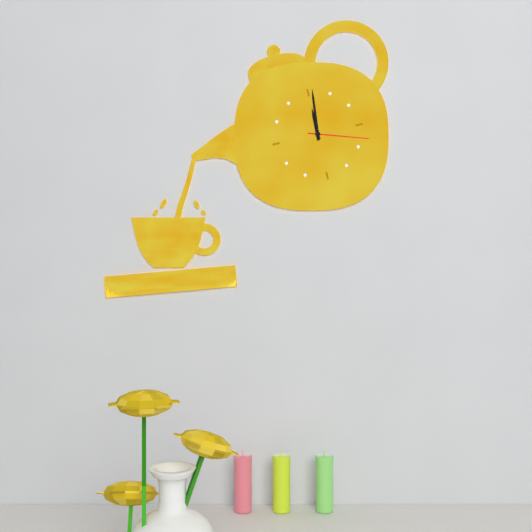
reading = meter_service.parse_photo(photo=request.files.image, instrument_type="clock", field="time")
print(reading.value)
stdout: 12:01:18
